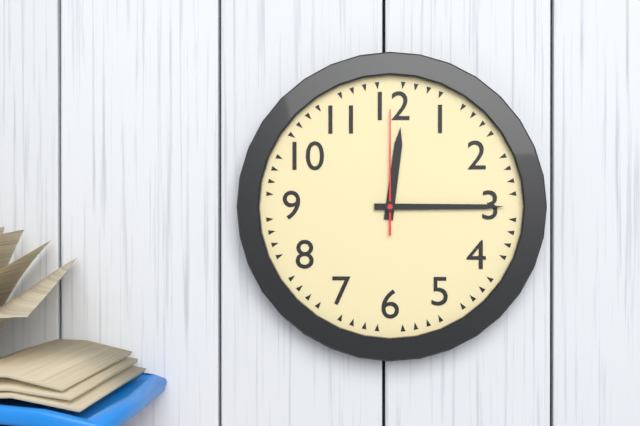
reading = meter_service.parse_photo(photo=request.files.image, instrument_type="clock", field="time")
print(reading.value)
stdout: 12:15:00
